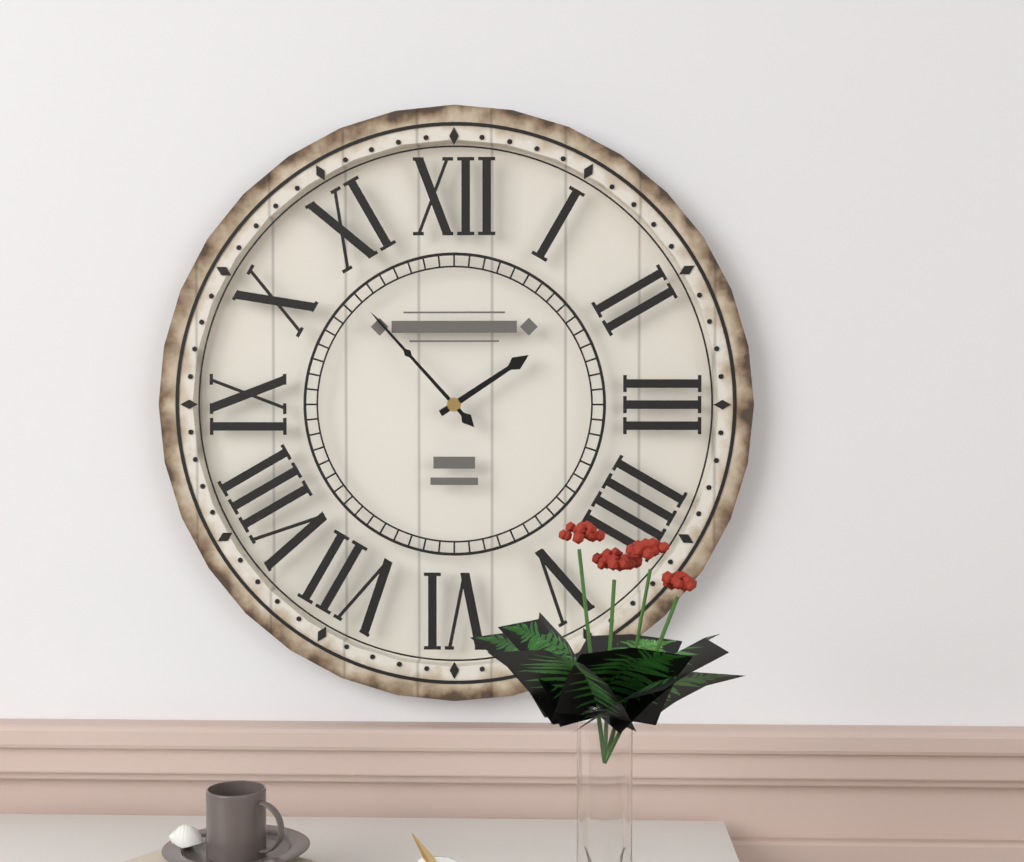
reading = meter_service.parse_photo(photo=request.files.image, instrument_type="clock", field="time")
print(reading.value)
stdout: 1:53
